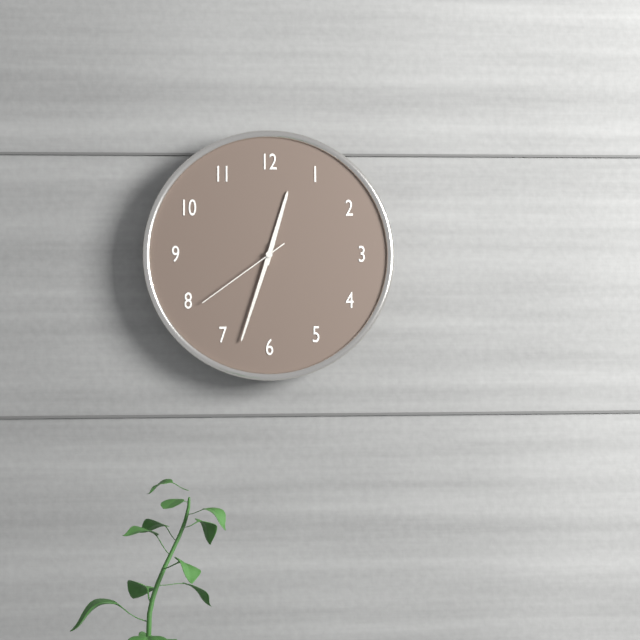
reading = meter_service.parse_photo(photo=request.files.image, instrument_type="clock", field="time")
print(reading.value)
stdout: 12:33:39
